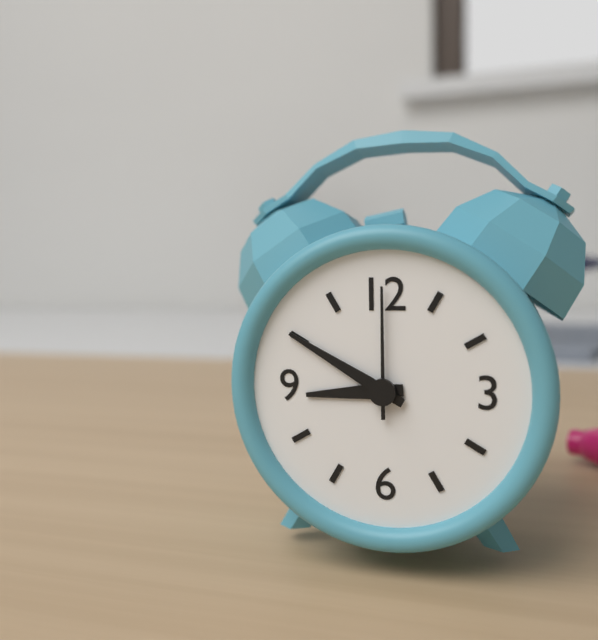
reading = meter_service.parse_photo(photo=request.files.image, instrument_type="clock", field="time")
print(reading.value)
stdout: 8:50:00
